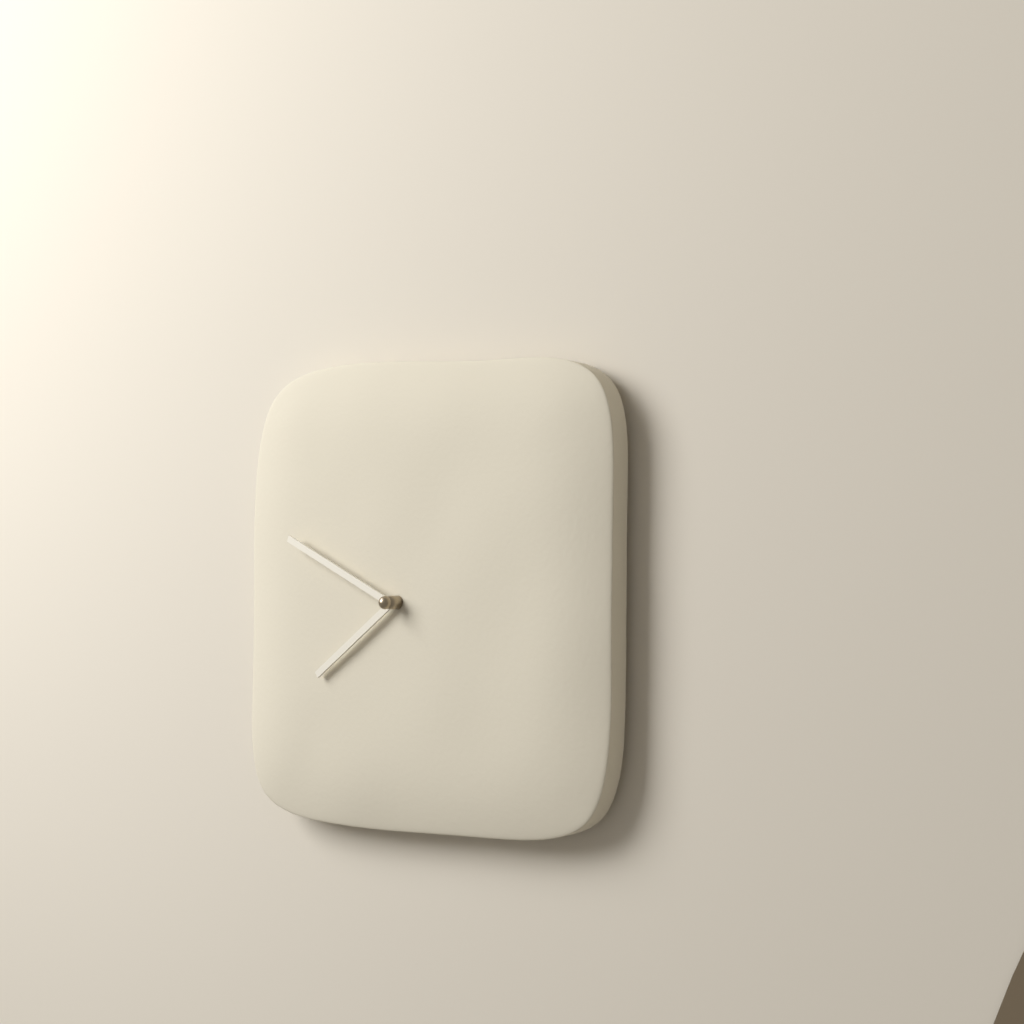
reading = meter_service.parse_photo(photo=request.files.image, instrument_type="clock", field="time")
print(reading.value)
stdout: 7:49
